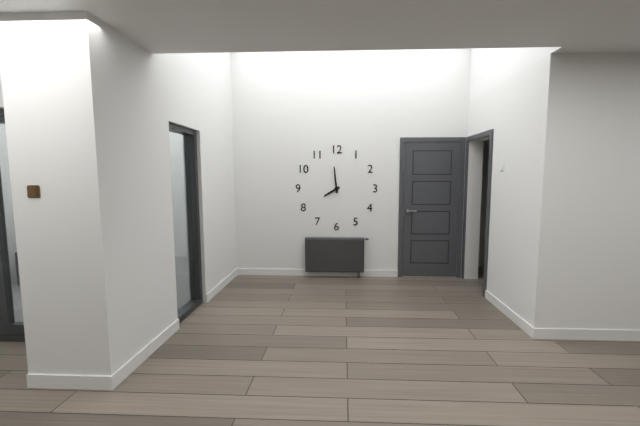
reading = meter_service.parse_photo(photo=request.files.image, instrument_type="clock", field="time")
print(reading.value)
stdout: 7:59
